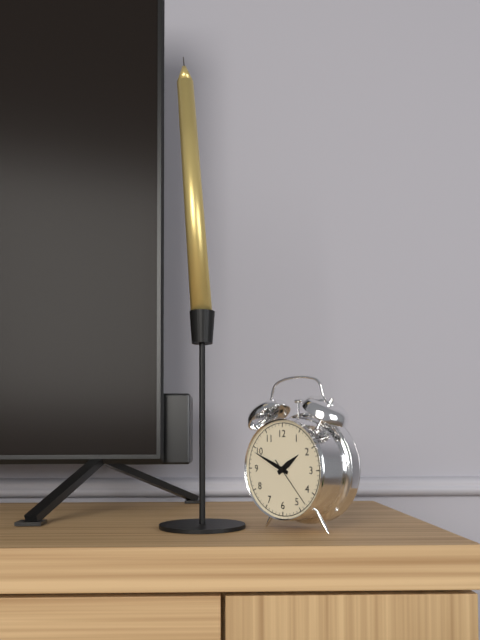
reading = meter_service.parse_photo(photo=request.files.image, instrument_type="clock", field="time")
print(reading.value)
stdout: 1:49:23
